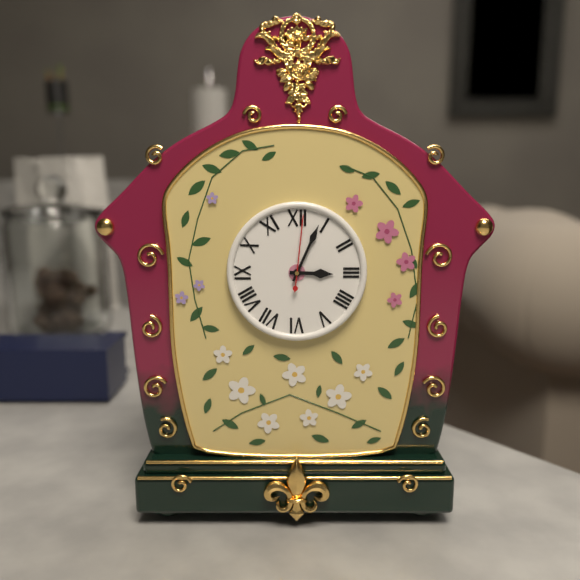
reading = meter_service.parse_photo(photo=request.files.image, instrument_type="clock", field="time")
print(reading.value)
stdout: 3:04:01
